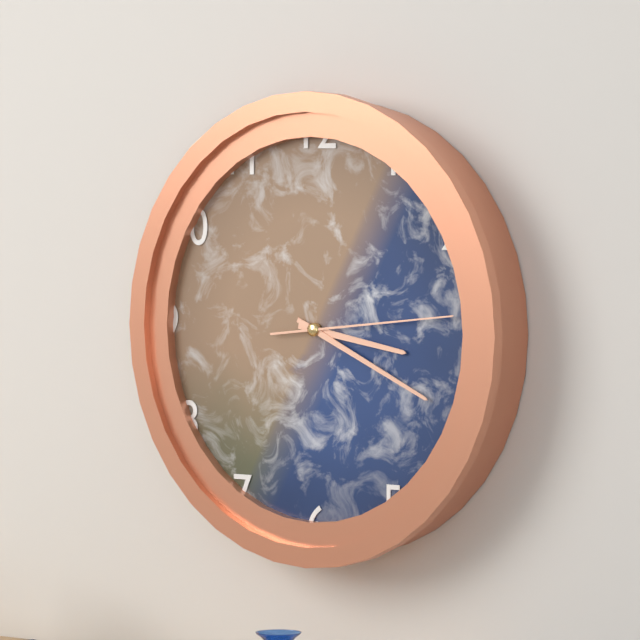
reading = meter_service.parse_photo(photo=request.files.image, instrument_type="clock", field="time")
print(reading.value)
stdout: 3:19:14
